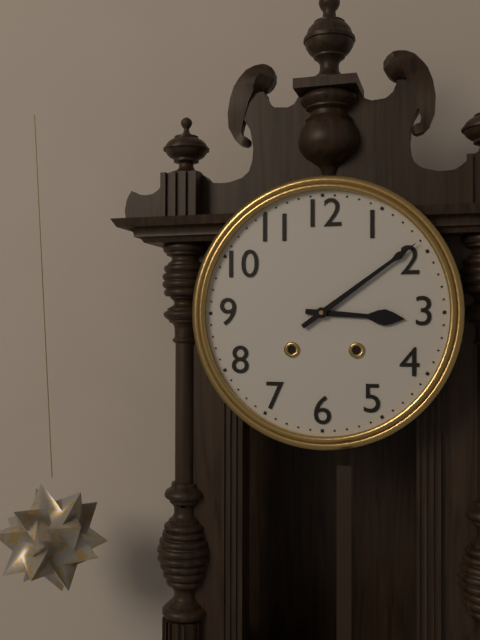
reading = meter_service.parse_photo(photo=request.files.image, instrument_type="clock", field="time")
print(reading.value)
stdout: 3:09
